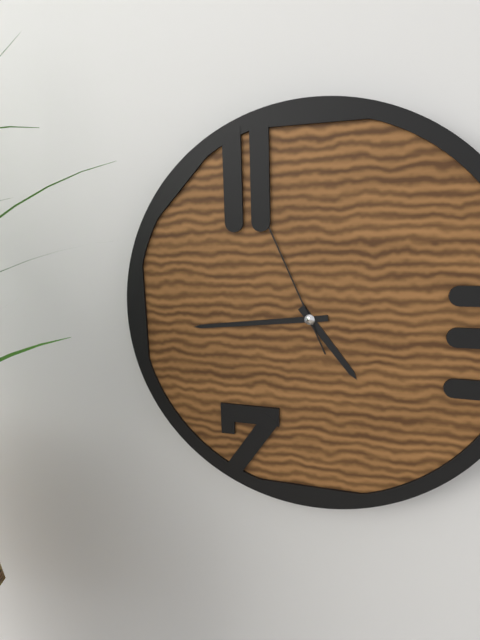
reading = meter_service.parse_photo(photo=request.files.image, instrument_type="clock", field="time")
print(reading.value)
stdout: 4:44:56
